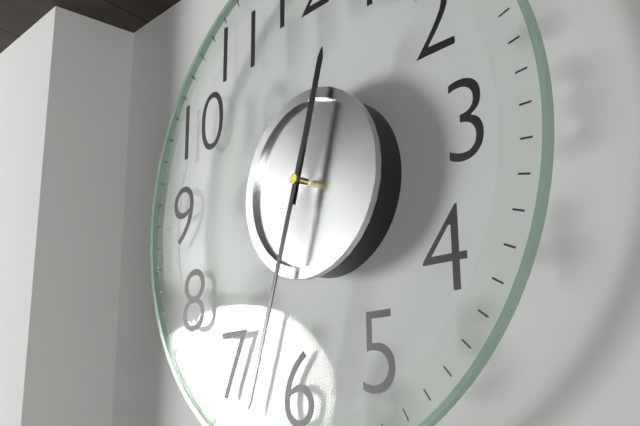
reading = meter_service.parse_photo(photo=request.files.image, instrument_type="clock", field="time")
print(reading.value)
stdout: 12:33
